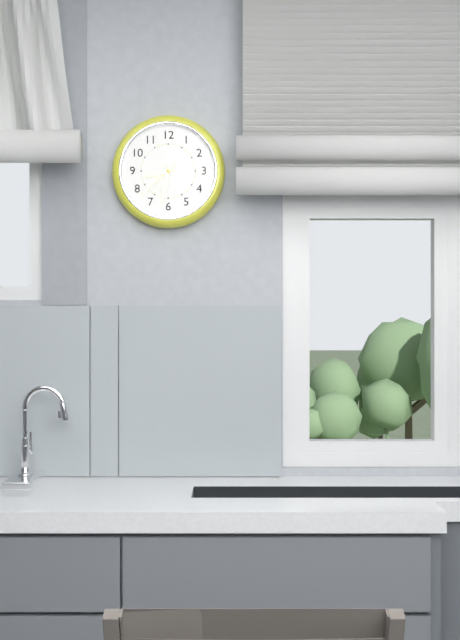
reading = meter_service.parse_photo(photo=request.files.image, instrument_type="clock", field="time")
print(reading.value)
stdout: 8:32
